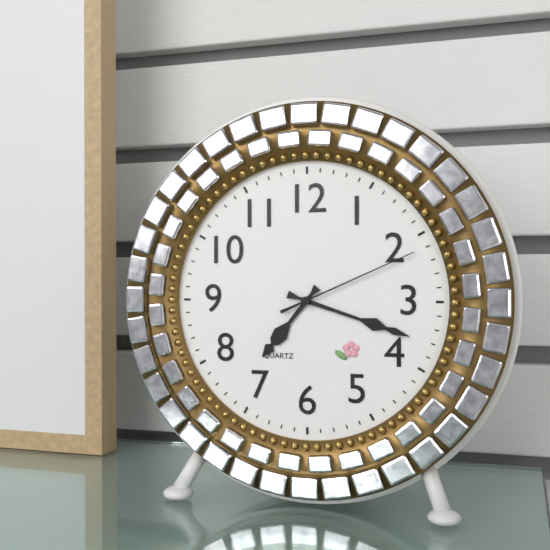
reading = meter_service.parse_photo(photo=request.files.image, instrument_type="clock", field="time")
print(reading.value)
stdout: 7:18:11
